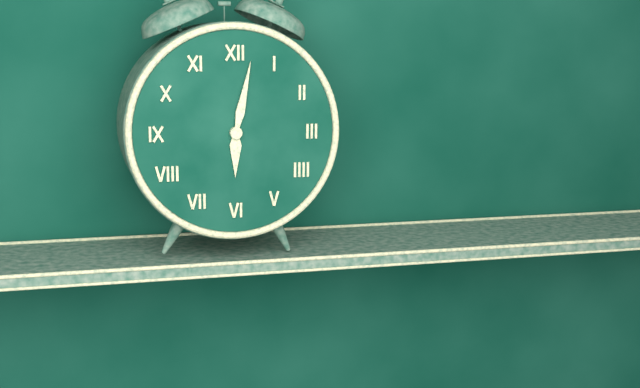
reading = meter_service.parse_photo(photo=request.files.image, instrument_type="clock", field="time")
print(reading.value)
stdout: 6:02
